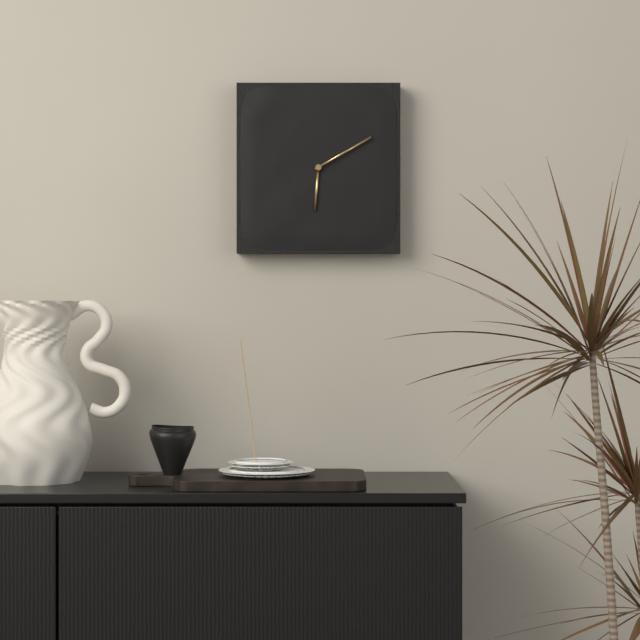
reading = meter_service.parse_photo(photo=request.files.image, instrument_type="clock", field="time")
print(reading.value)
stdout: 6:10
